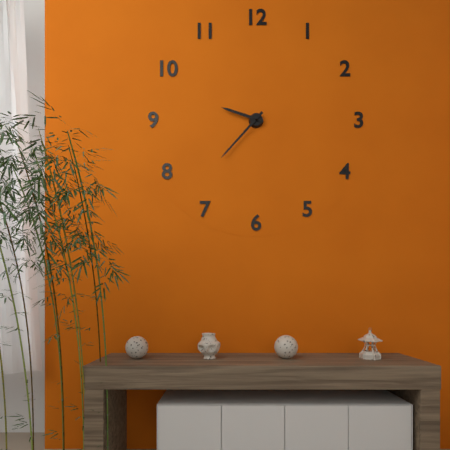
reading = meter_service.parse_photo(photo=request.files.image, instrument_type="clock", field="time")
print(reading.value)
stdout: 9:37
